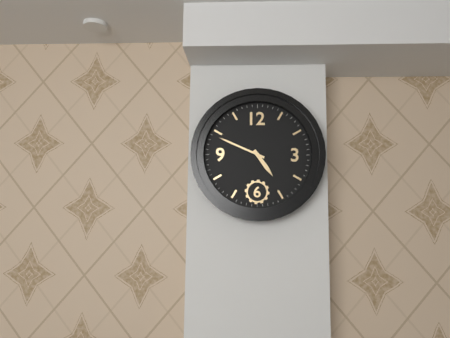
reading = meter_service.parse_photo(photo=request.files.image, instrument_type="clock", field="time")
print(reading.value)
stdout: 4:49
